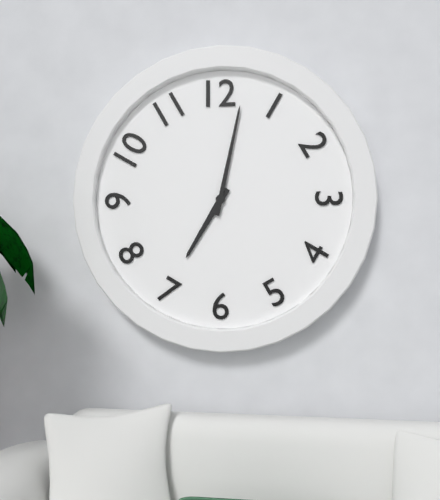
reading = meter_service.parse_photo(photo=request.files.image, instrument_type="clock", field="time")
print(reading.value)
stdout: 7:02
